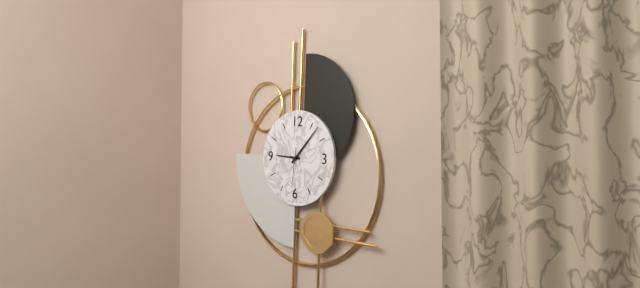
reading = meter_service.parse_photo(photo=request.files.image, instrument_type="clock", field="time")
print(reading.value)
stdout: 9:07
